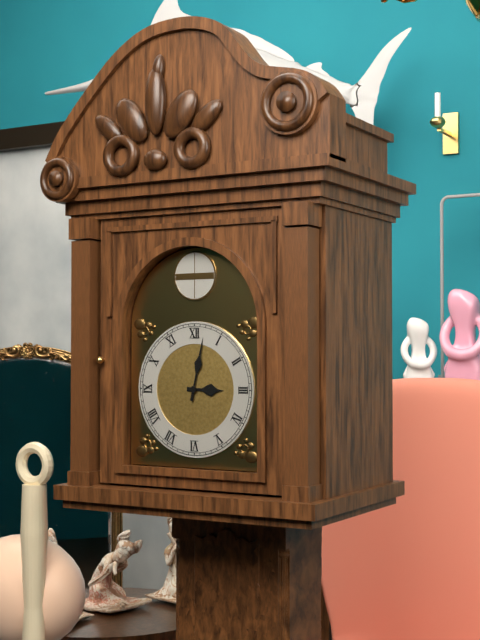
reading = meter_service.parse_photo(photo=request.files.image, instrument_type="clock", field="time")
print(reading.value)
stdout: 3:02
